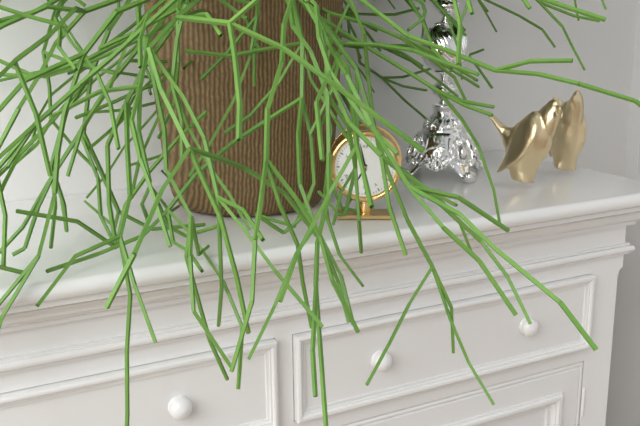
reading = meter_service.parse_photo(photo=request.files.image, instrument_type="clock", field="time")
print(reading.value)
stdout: 6:58
